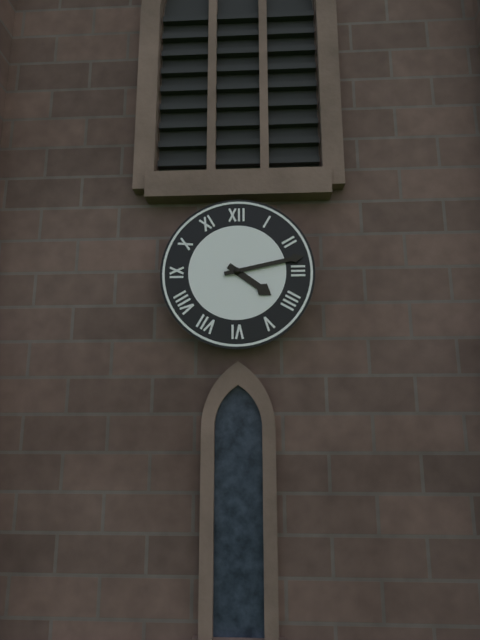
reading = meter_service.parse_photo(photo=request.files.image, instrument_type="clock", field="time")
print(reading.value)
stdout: 4:13
